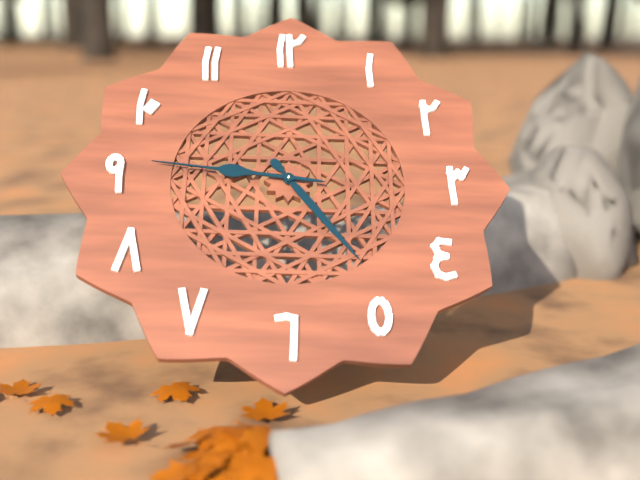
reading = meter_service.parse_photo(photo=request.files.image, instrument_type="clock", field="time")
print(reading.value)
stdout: 4:46
